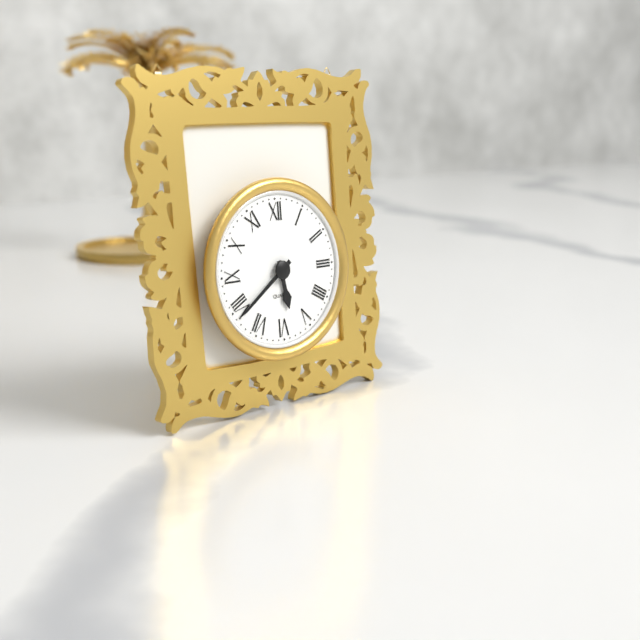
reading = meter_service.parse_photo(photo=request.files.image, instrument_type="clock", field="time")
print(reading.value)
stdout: 5:39
